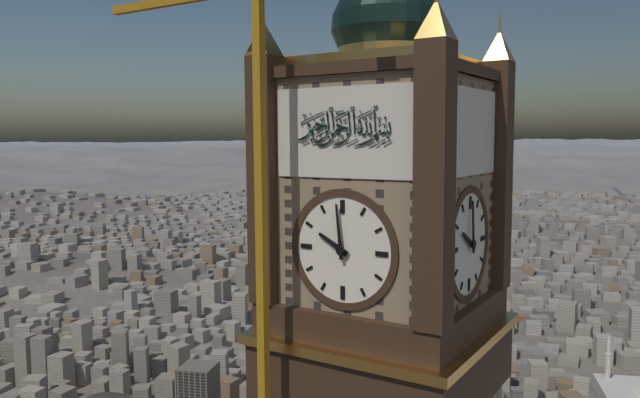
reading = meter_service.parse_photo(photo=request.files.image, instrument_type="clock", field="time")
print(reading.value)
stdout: 9:59
